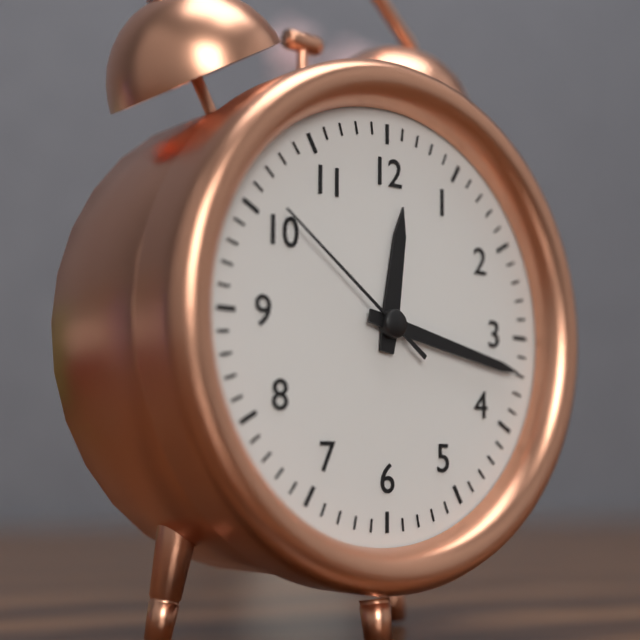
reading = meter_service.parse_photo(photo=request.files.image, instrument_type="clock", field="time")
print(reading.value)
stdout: 12:17:51
